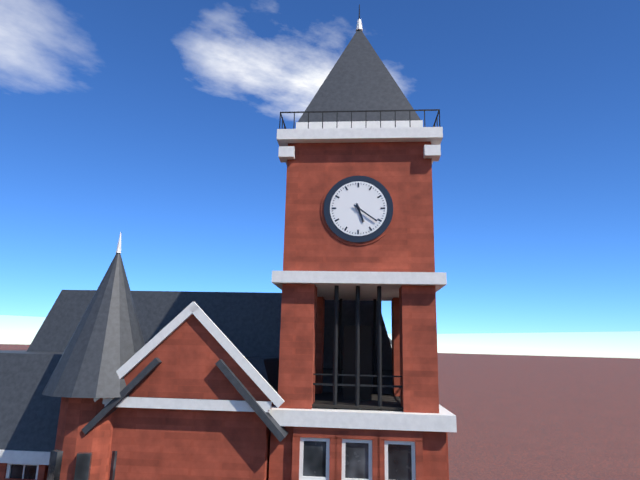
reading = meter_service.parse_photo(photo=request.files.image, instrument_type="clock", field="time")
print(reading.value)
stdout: 5:21
